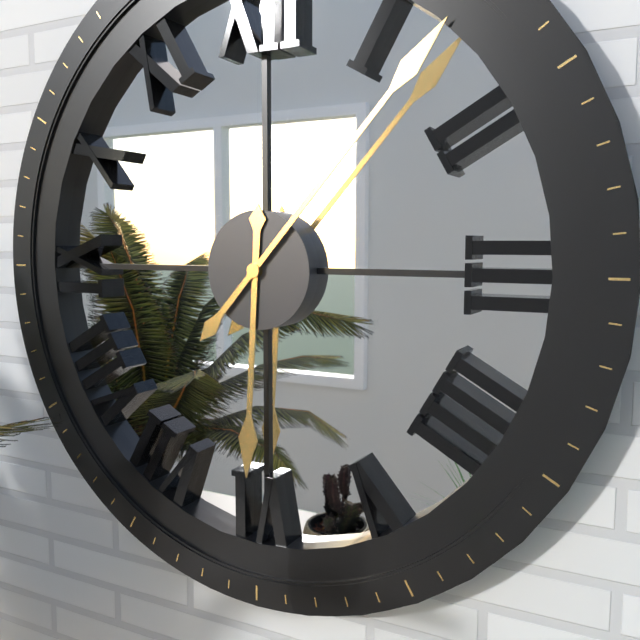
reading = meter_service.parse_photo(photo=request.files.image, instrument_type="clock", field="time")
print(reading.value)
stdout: 6:07
